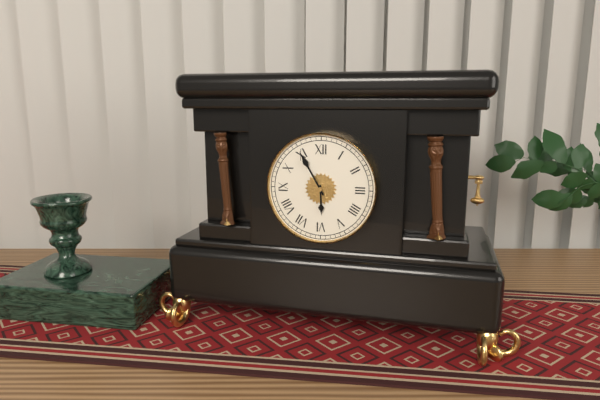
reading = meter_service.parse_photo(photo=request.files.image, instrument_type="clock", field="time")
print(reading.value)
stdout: 5:55
